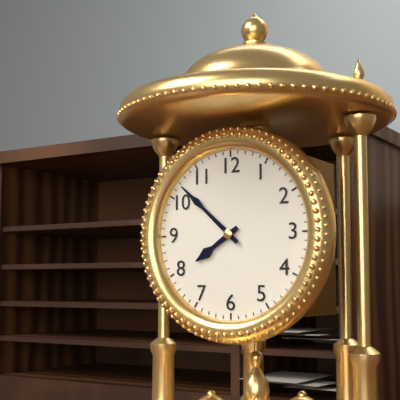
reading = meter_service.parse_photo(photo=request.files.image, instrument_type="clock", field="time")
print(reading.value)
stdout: 7:52
